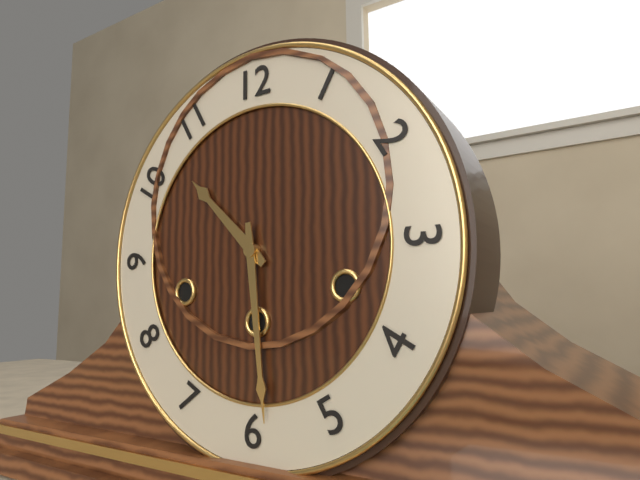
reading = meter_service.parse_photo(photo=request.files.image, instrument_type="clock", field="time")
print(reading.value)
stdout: 10:29
